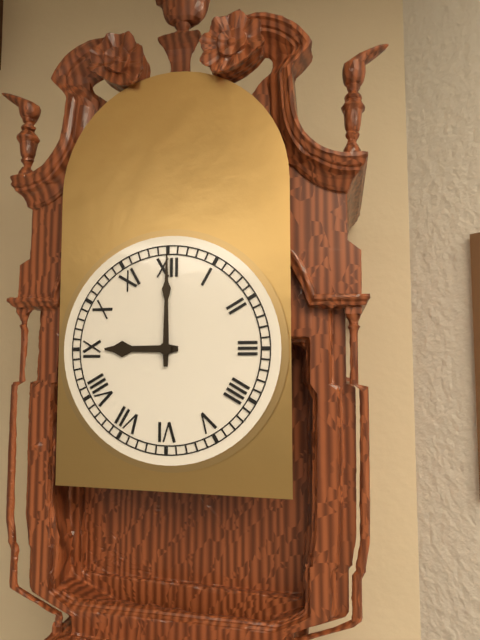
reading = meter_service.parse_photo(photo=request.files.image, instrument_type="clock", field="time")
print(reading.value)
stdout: 9:00
